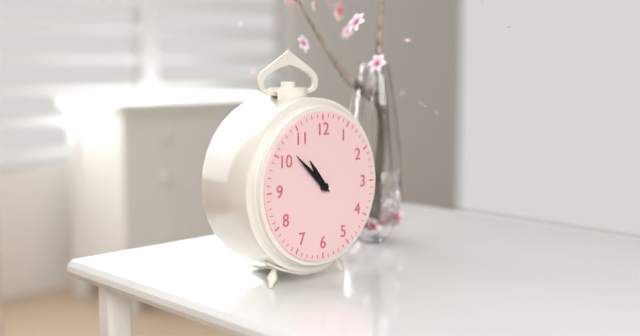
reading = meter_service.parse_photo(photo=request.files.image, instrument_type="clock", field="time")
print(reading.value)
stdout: 10:52
